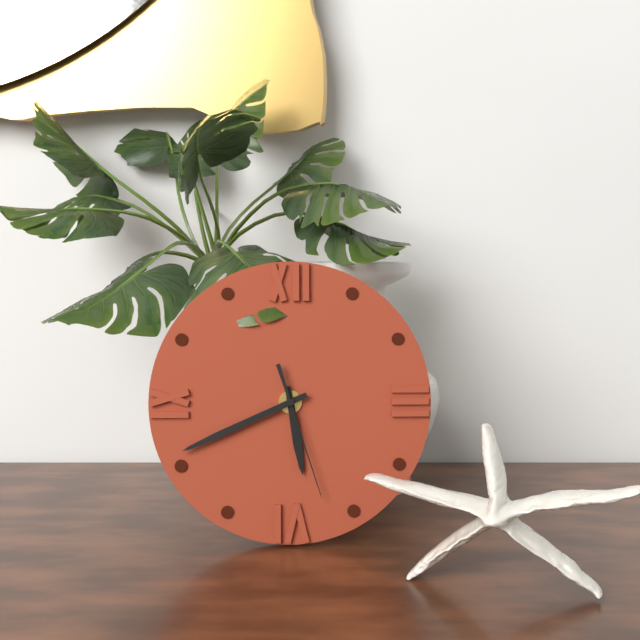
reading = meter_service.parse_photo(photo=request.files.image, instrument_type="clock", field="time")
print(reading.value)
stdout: 5:41:27
